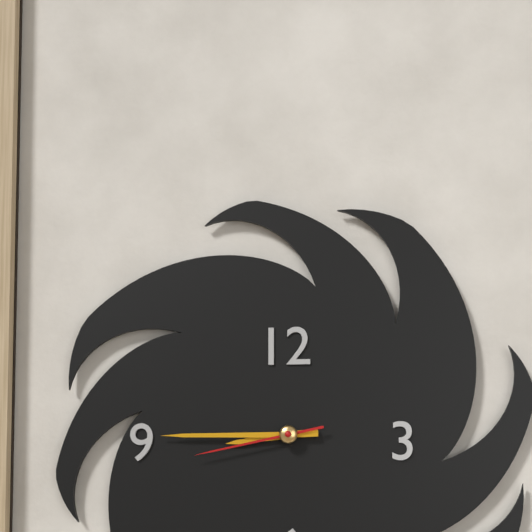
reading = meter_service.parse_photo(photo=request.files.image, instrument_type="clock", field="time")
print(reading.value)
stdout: 8:45:43
